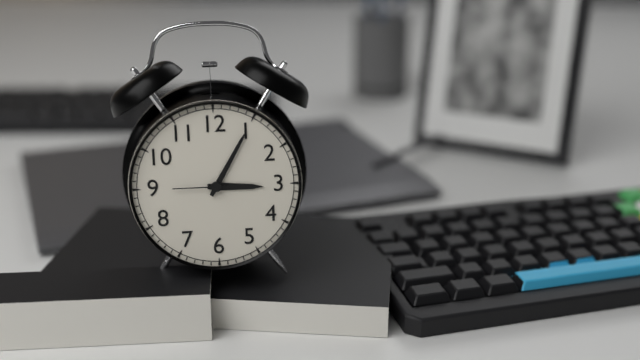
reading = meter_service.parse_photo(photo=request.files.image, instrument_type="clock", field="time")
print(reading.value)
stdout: 3:05:45
